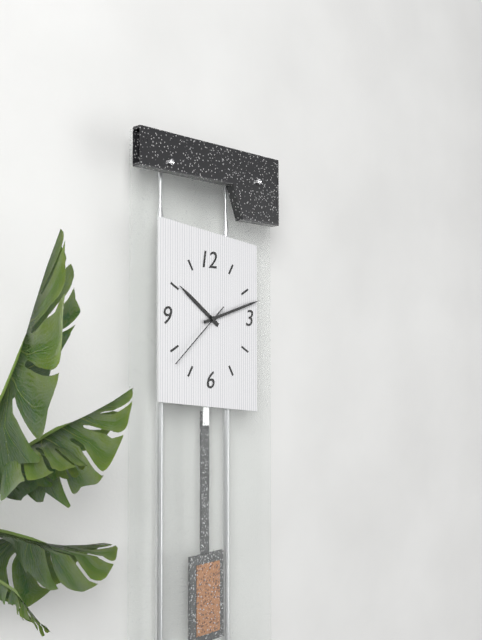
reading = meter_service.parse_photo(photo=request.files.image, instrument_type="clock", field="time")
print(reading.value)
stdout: 10:12:38
